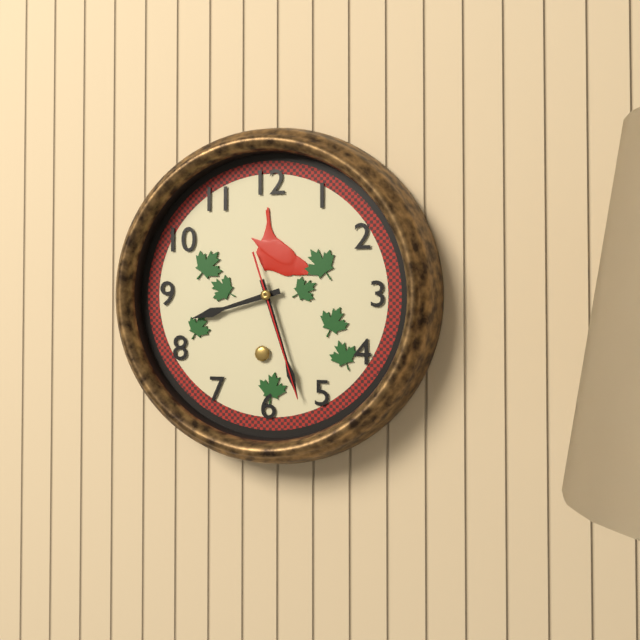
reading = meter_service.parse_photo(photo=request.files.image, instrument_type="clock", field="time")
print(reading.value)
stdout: 8:27:27
